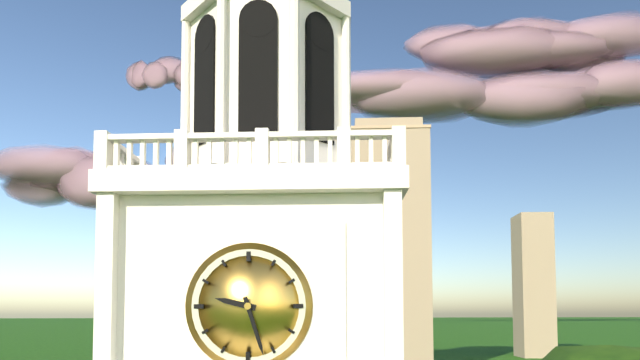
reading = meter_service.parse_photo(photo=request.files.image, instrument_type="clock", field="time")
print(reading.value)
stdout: 9:27
